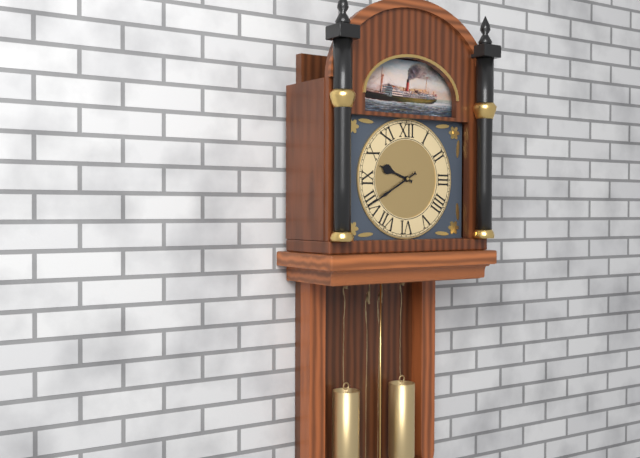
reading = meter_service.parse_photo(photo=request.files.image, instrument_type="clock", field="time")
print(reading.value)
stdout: 9:40
